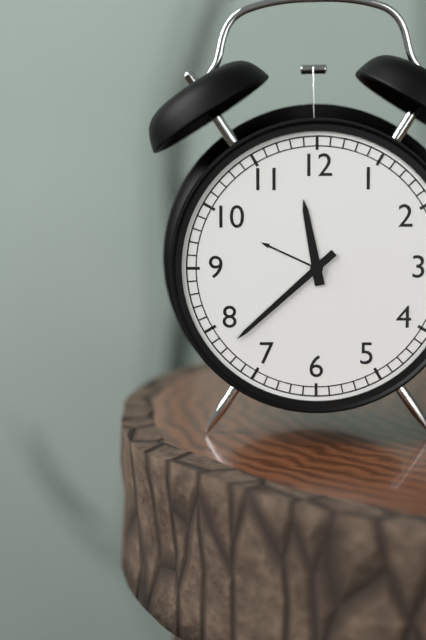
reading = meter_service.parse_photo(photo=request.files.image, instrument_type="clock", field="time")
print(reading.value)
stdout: 11:38
